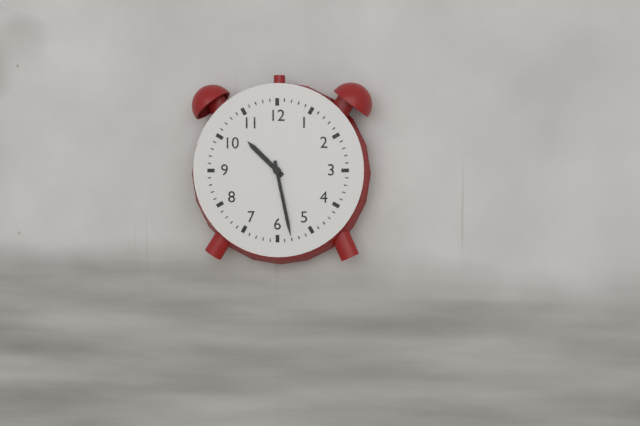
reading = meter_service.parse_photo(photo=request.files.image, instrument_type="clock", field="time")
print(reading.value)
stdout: 10:28
